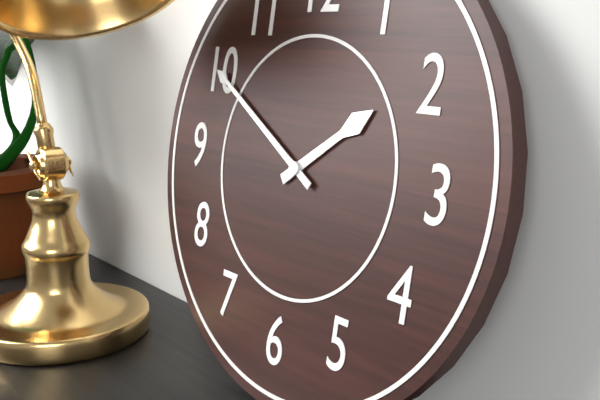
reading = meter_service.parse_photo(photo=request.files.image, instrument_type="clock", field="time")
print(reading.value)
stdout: 1:50
